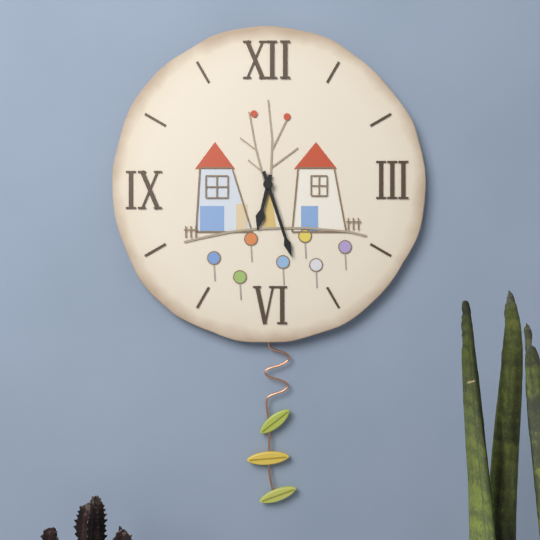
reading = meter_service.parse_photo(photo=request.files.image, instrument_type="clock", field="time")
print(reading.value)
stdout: 6:27
